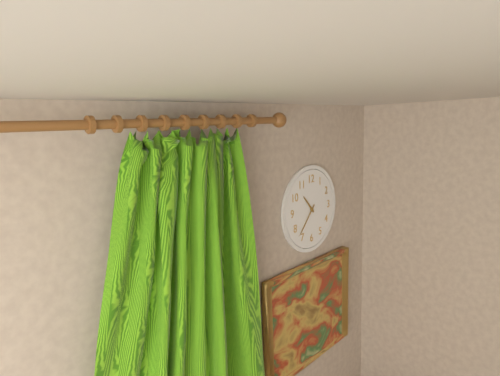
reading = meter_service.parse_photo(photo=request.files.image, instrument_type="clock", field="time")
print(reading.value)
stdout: 10:37
